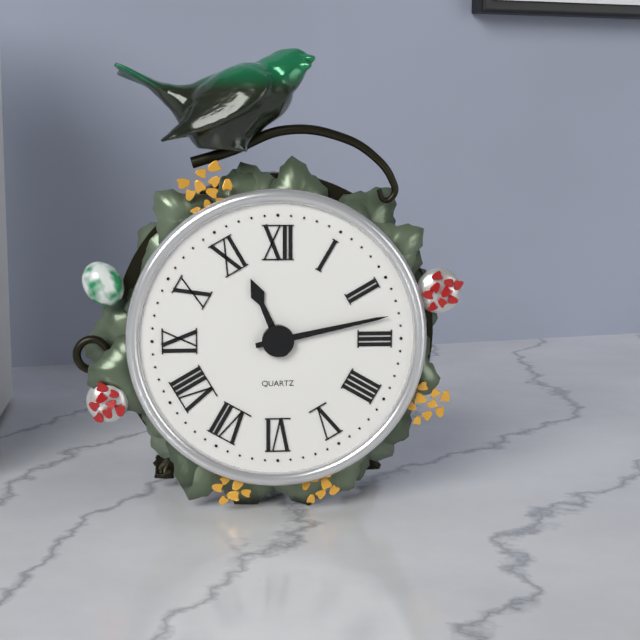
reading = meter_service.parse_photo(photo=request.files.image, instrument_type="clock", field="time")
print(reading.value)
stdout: 11:13
